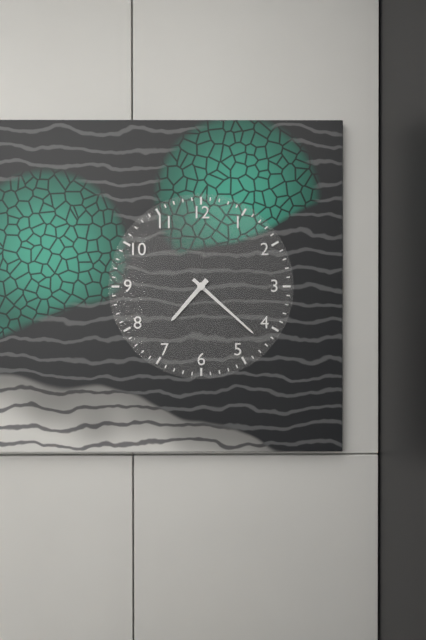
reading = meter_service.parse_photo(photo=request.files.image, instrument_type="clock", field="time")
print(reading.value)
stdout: 7:22
